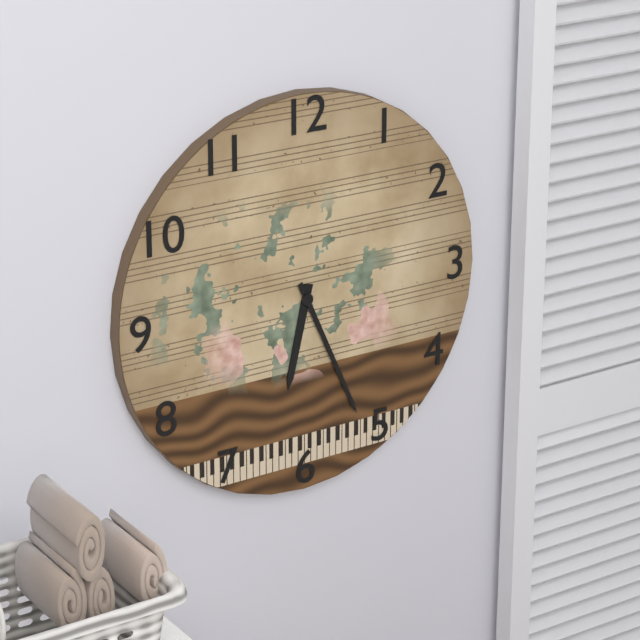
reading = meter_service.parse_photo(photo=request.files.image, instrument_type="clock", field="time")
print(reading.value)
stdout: 6:26
